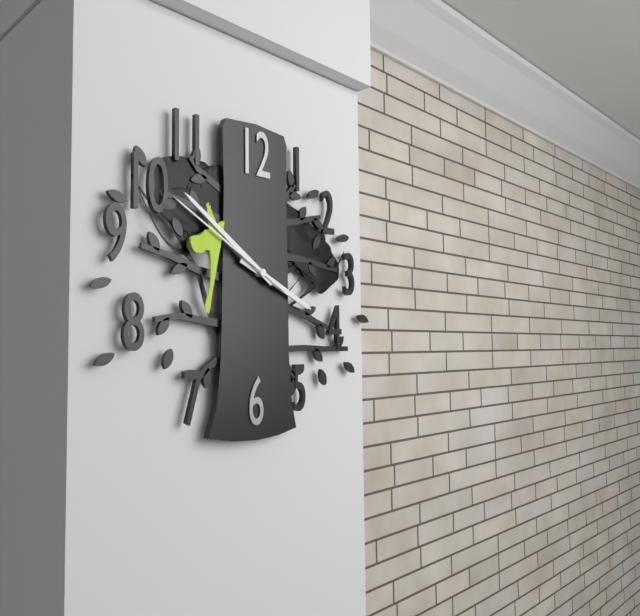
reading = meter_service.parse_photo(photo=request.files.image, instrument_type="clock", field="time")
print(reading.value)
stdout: 3:51:50
